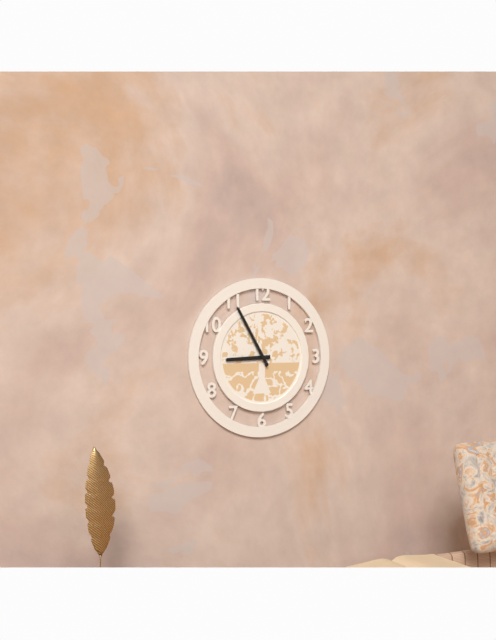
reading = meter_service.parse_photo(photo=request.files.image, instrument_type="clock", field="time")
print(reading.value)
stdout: 8:55
